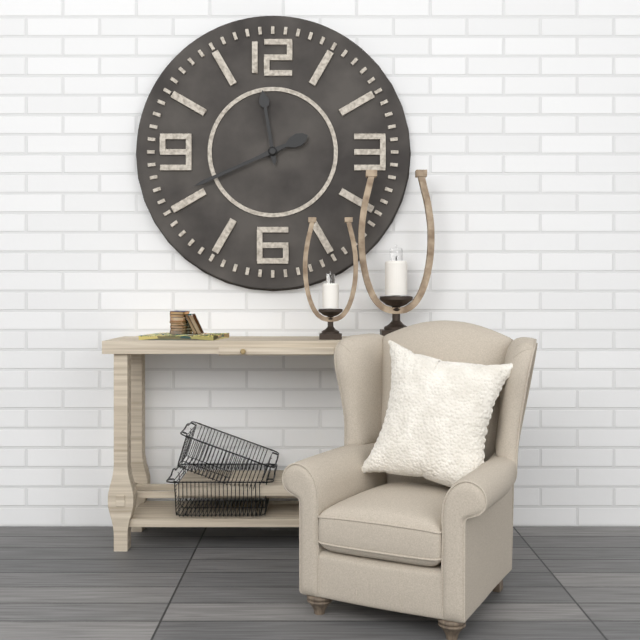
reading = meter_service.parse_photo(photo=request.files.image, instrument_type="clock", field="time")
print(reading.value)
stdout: 11:41
